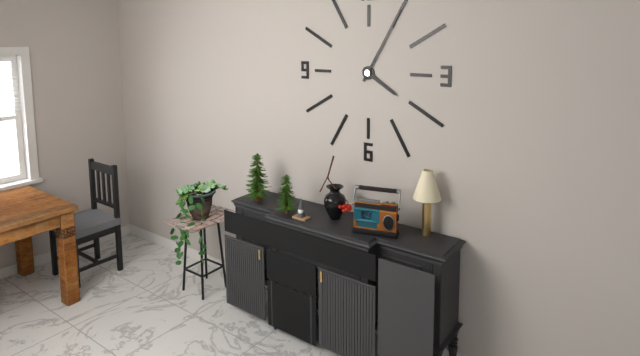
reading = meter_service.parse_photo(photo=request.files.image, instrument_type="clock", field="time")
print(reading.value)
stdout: 4:05
